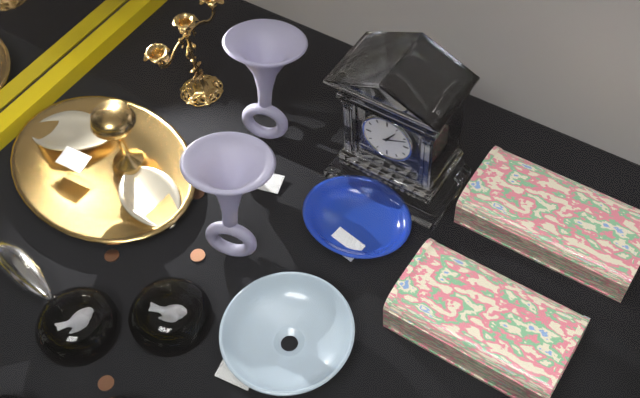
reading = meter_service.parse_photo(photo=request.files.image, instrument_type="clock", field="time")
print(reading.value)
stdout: 1:11
